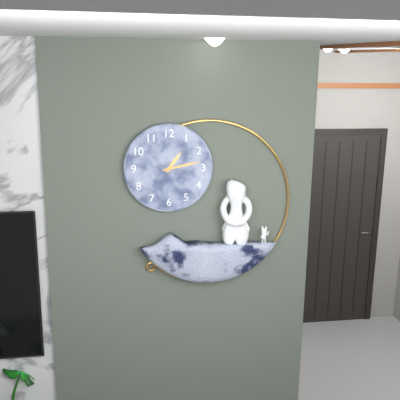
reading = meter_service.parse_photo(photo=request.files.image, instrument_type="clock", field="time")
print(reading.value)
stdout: 1:13
